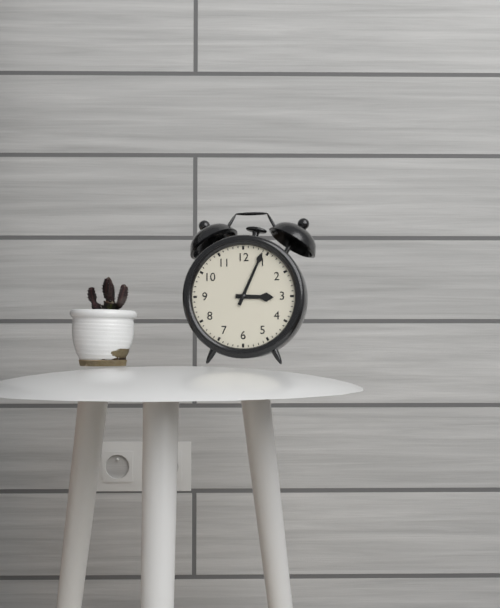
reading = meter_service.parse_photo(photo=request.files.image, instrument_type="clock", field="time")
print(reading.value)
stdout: 3:04
